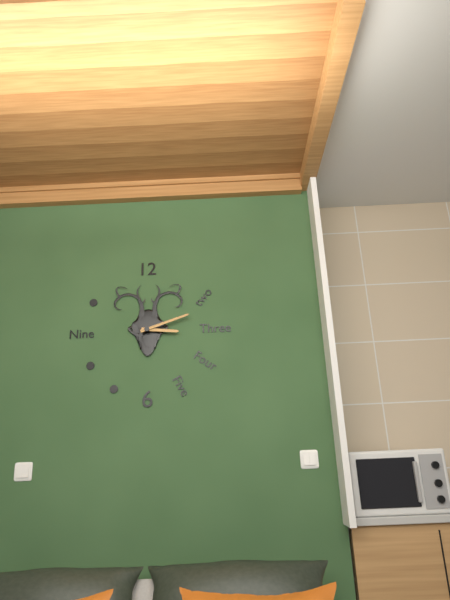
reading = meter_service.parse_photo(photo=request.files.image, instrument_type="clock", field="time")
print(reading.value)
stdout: 3:12
